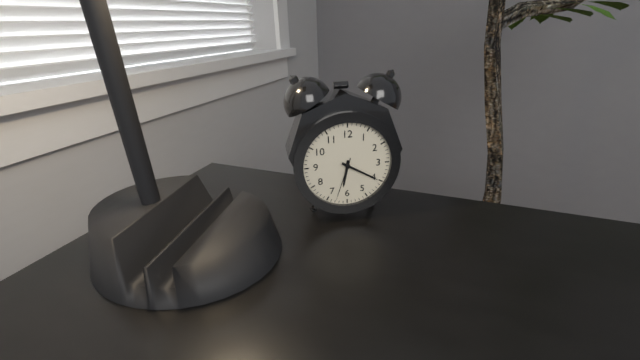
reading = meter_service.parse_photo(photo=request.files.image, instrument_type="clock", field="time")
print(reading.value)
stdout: 6:20
